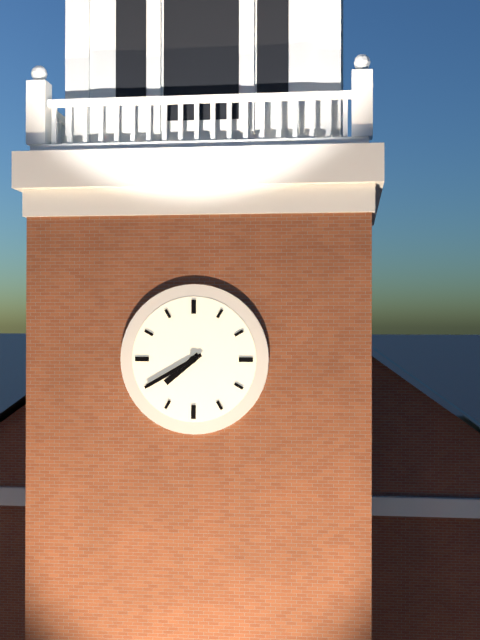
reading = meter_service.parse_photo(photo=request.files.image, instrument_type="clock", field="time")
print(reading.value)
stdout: 7:40
